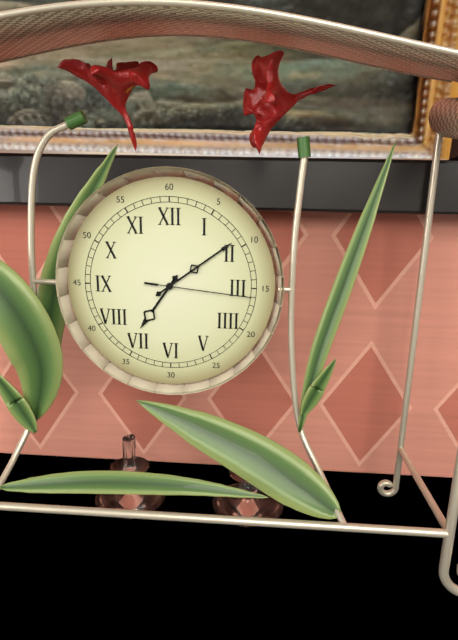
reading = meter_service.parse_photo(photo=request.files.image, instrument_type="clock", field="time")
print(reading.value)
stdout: 7:09:16
